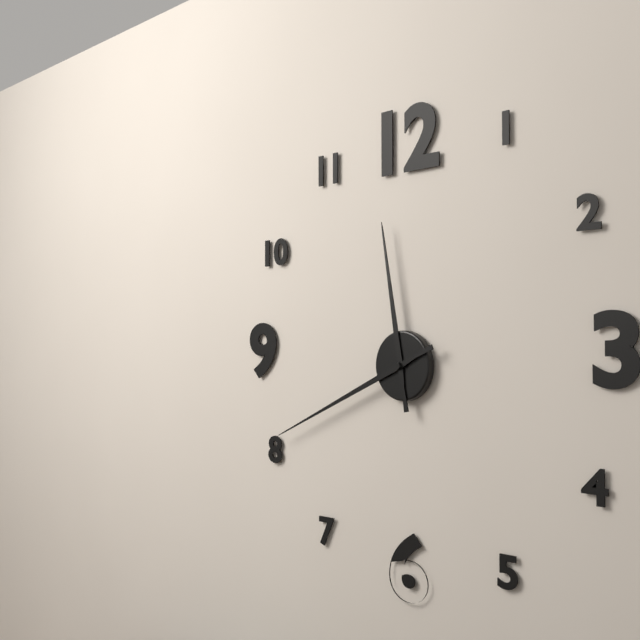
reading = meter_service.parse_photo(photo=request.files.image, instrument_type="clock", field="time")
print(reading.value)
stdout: 11:41
